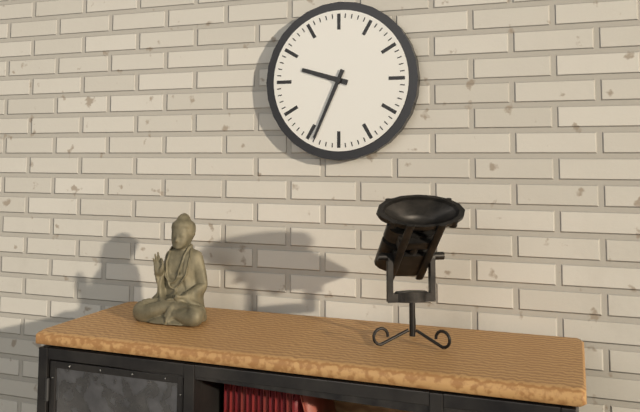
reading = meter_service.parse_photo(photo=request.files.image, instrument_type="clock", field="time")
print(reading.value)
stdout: 9:34
